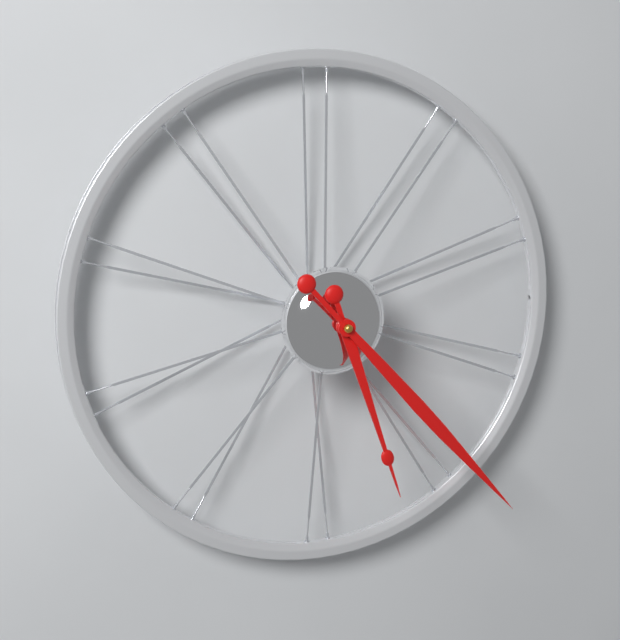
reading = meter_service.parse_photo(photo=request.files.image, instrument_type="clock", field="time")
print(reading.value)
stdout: 5:23
